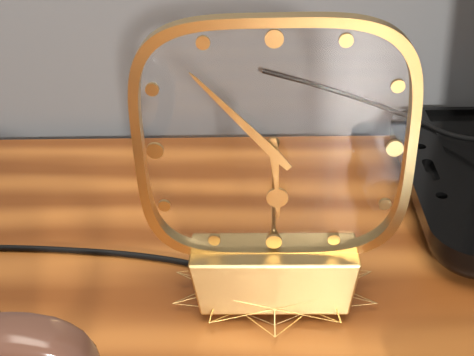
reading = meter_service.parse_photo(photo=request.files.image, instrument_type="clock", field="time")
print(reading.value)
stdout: 5:53
